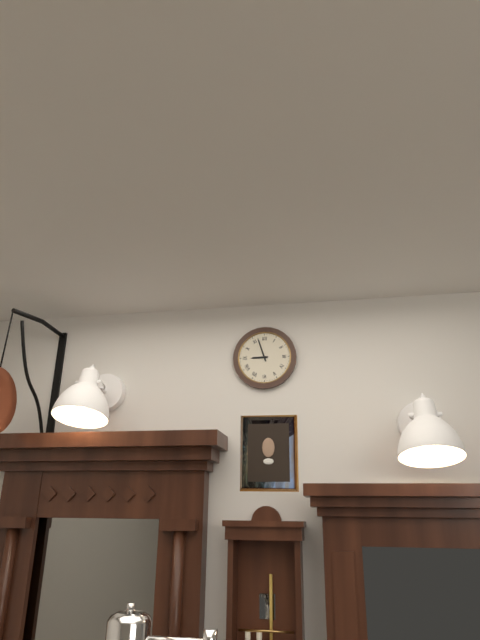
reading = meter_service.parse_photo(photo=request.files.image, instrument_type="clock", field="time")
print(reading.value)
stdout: 8:57
